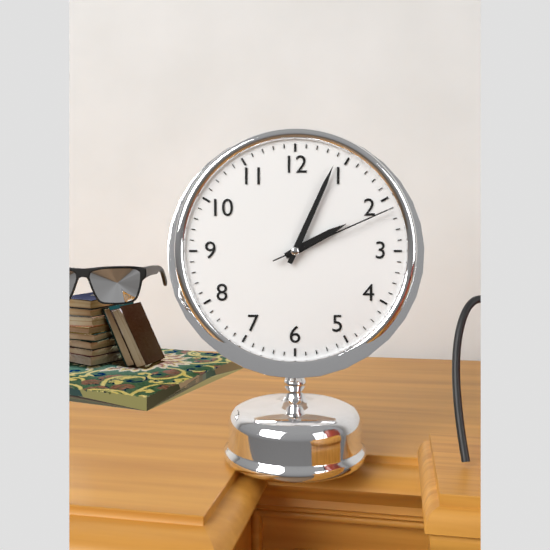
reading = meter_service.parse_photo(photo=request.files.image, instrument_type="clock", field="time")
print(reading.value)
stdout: 2:04:11
